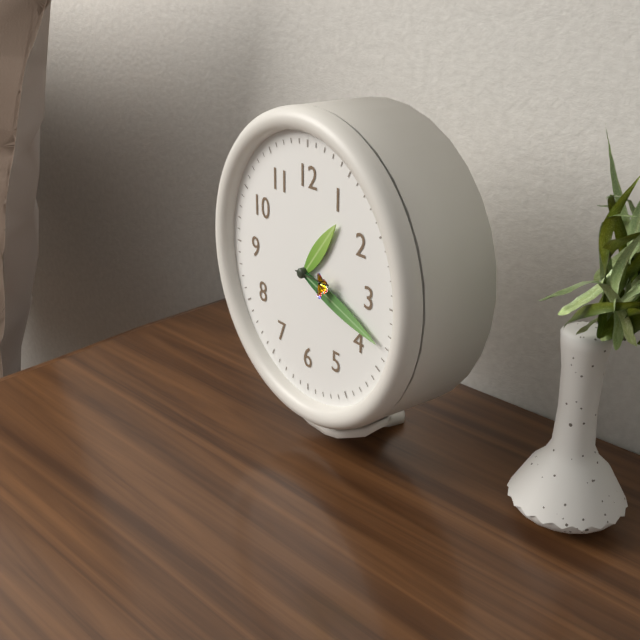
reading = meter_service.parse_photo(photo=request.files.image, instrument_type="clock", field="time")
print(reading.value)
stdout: 1:18
